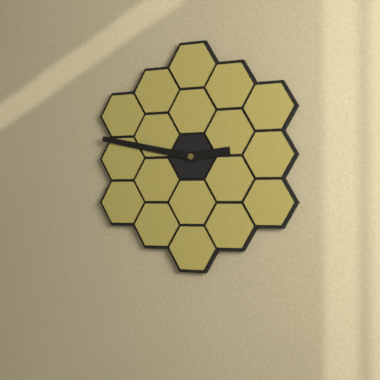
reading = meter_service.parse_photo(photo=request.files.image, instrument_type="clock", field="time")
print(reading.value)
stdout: 2:47
